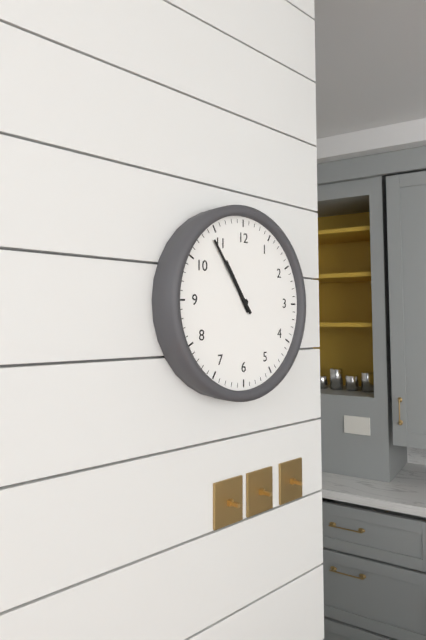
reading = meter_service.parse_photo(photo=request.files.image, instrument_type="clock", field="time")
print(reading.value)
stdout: 10:54
